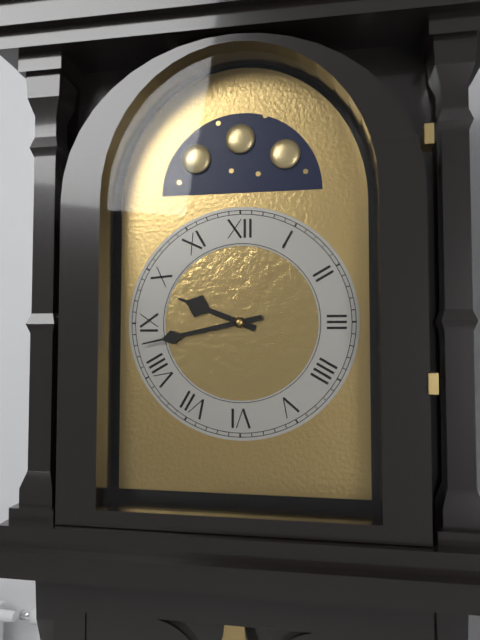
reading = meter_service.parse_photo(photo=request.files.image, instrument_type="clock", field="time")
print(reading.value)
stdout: 9:43
